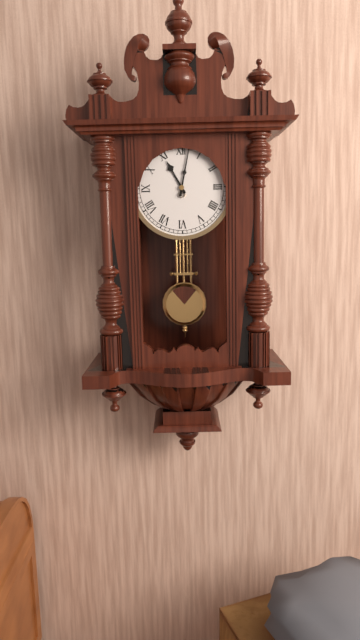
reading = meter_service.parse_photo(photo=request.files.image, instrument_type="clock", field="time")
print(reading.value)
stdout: 11:02
